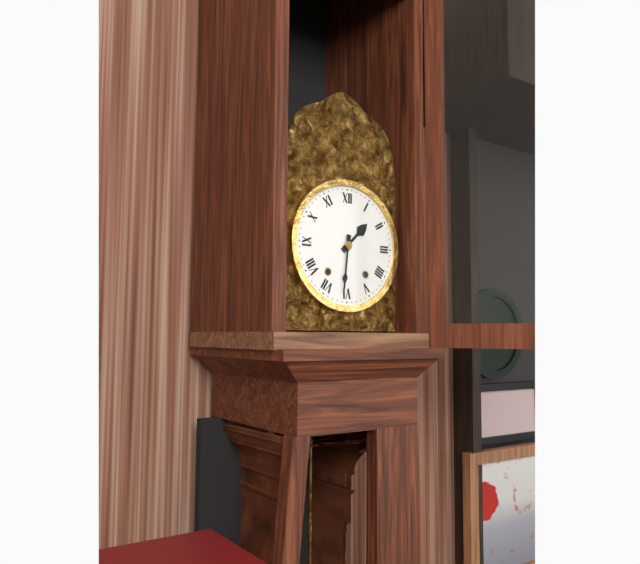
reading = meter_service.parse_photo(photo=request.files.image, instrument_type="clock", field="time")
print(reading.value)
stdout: 1:31
